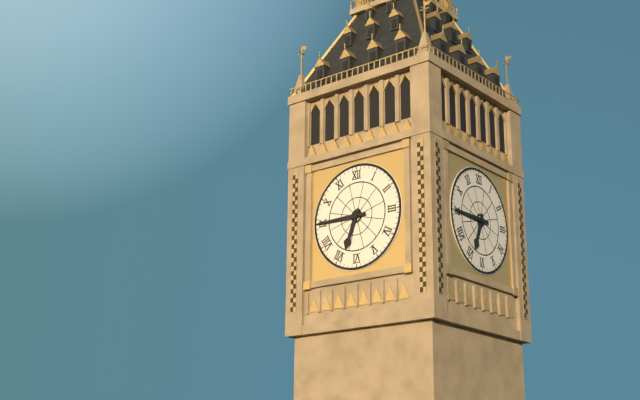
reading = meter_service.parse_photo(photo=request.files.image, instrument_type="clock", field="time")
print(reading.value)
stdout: 6:45
